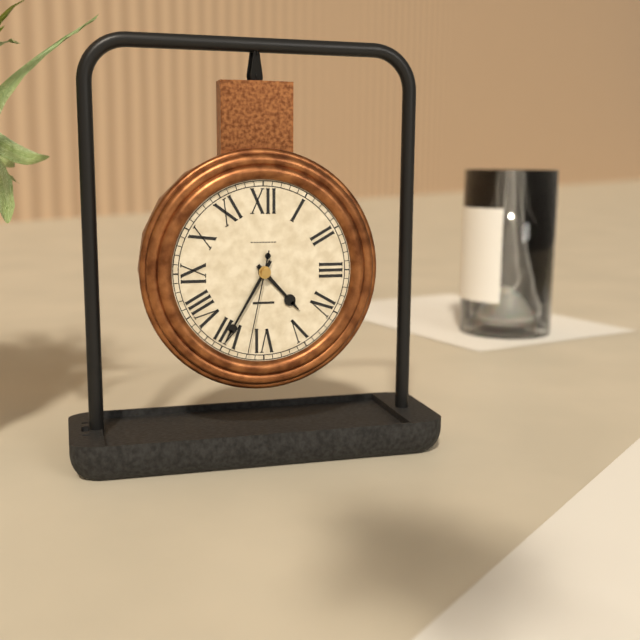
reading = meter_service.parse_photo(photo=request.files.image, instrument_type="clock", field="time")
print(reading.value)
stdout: 4:35:32
